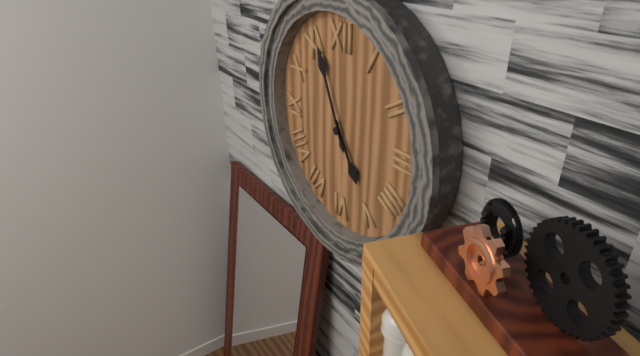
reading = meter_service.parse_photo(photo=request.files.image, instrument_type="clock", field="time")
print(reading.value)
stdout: 4:56
